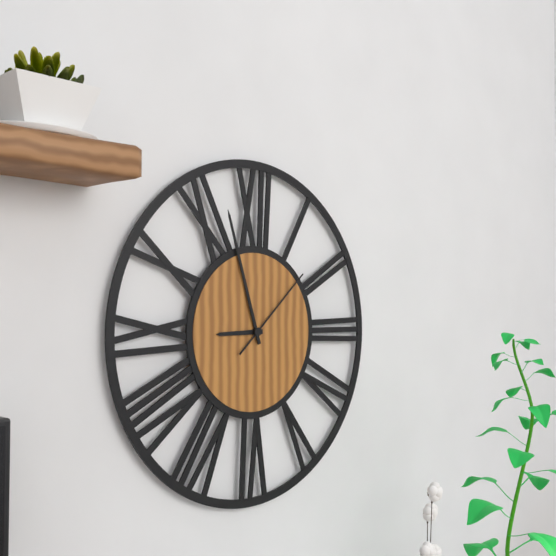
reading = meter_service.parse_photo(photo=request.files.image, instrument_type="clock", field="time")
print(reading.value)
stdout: 8:57:08
